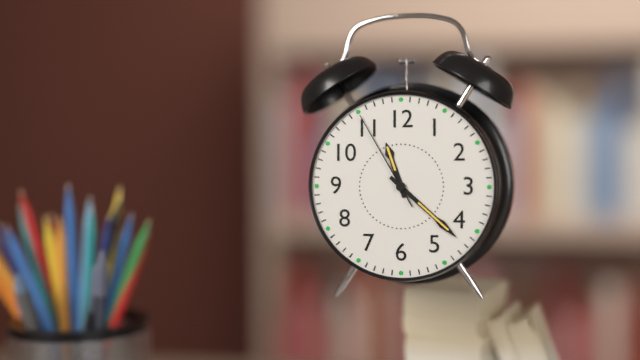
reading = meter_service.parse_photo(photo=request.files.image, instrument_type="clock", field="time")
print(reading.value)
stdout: 11:22:55
